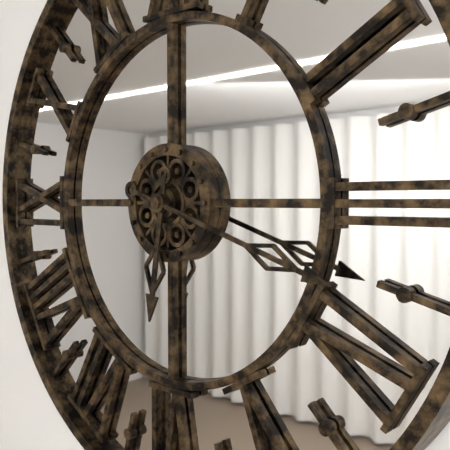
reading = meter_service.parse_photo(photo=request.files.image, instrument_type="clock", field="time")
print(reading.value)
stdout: 6:18
